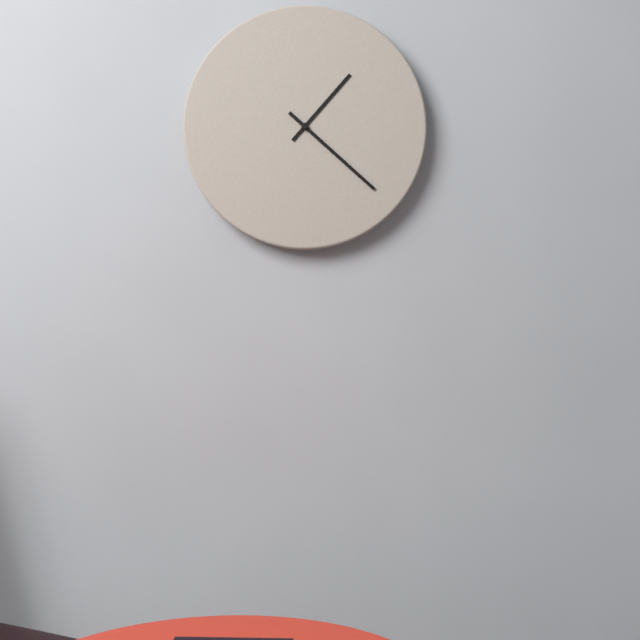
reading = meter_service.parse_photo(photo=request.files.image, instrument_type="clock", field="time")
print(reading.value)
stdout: 1:22
